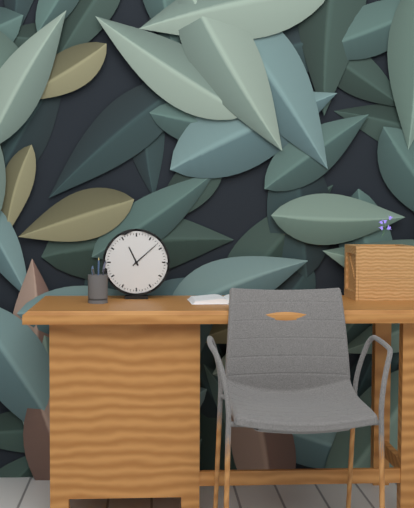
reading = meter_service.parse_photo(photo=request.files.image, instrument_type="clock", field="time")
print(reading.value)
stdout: 11:08
